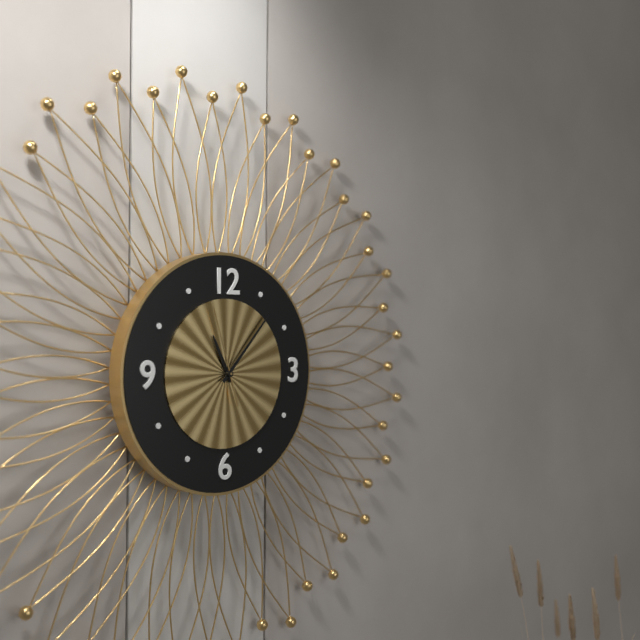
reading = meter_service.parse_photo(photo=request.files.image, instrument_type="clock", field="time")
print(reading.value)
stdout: 11:07:57
